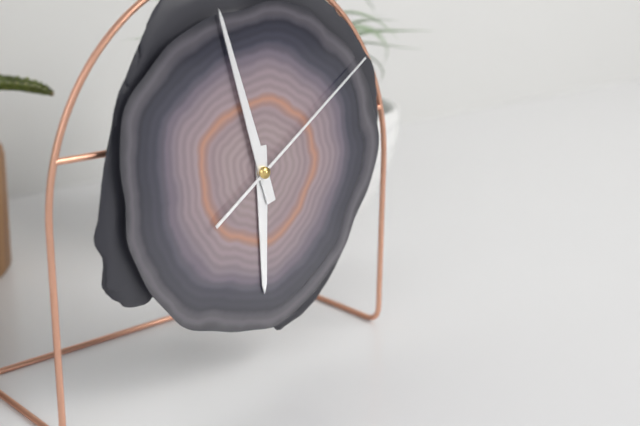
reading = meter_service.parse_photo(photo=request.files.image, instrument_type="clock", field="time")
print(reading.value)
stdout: 5:57:09
